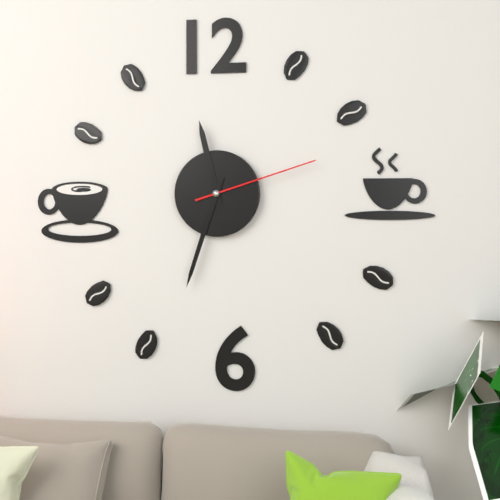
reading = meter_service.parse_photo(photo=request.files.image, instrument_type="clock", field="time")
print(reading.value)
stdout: 11:33:12
